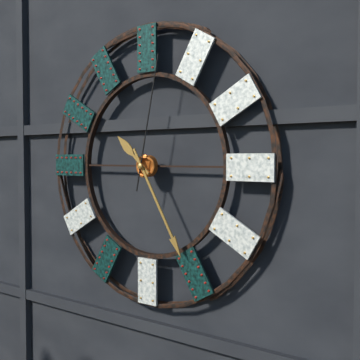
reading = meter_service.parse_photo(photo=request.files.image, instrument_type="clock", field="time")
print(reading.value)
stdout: 10:25:02
